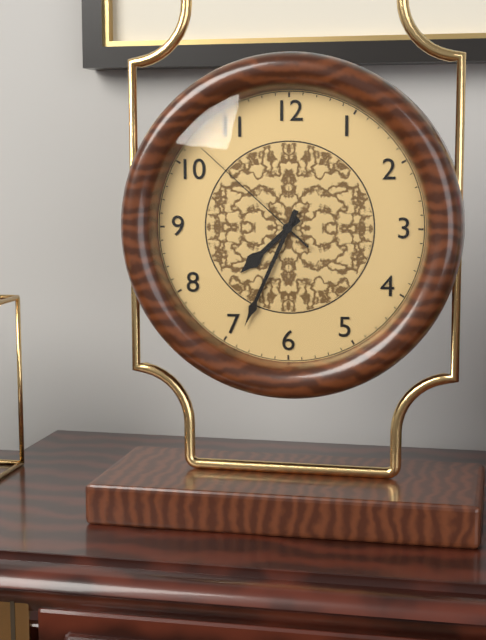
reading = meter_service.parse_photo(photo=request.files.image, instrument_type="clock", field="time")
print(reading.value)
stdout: 7:34:52
